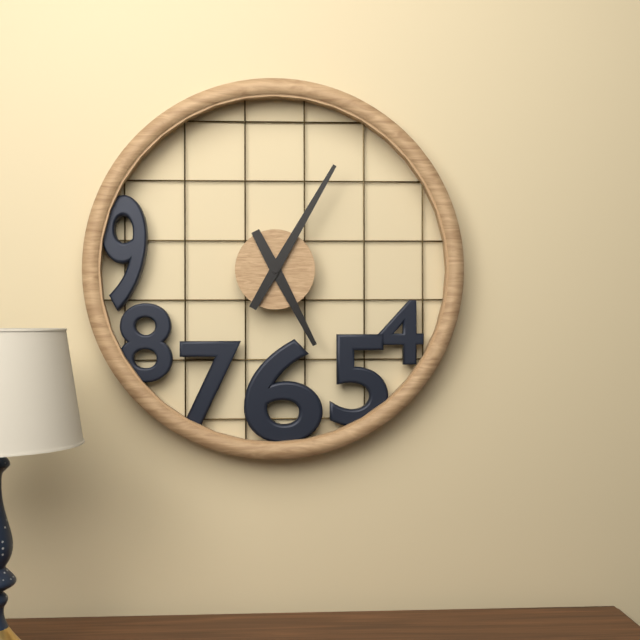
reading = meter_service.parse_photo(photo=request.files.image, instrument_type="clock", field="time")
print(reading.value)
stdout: 5:05
